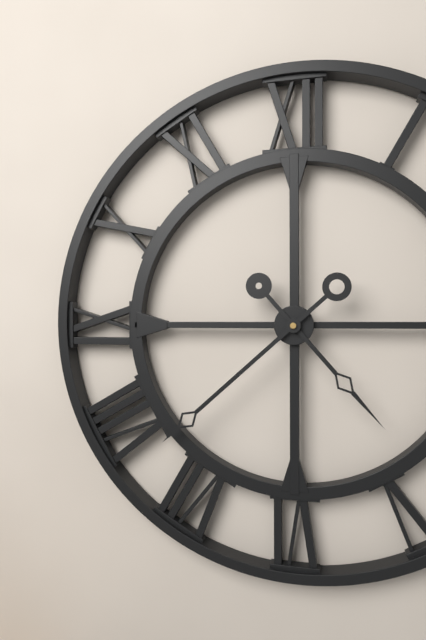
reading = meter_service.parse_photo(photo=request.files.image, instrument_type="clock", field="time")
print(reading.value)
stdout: 4:38
